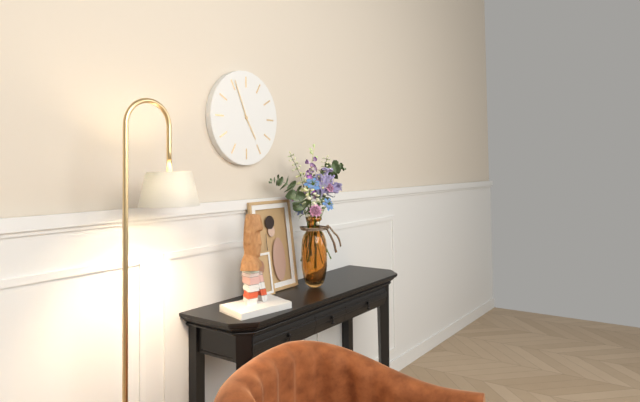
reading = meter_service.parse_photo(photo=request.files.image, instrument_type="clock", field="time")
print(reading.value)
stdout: 4:56
